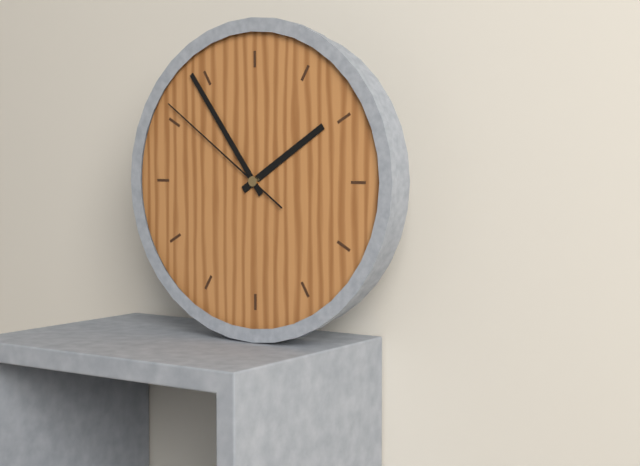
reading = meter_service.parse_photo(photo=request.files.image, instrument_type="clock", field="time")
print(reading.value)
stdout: 1:54:51
